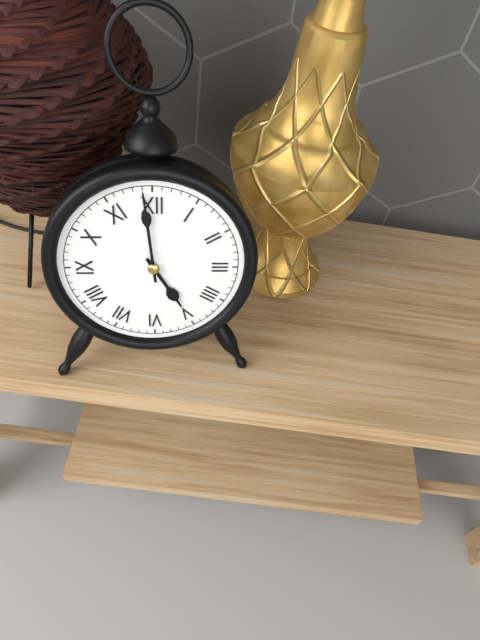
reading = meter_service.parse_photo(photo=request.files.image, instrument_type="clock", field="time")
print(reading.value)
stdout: 4:59
